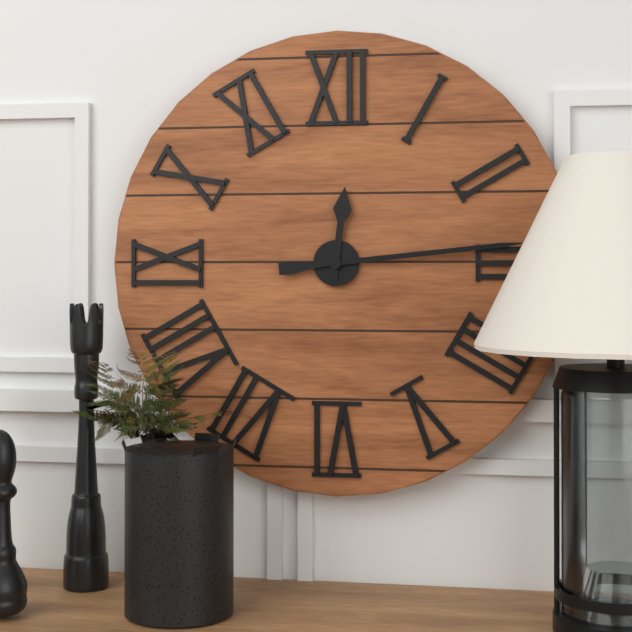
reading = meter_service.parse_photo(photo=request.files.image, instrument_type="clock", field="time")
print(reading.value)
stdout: 12:14
